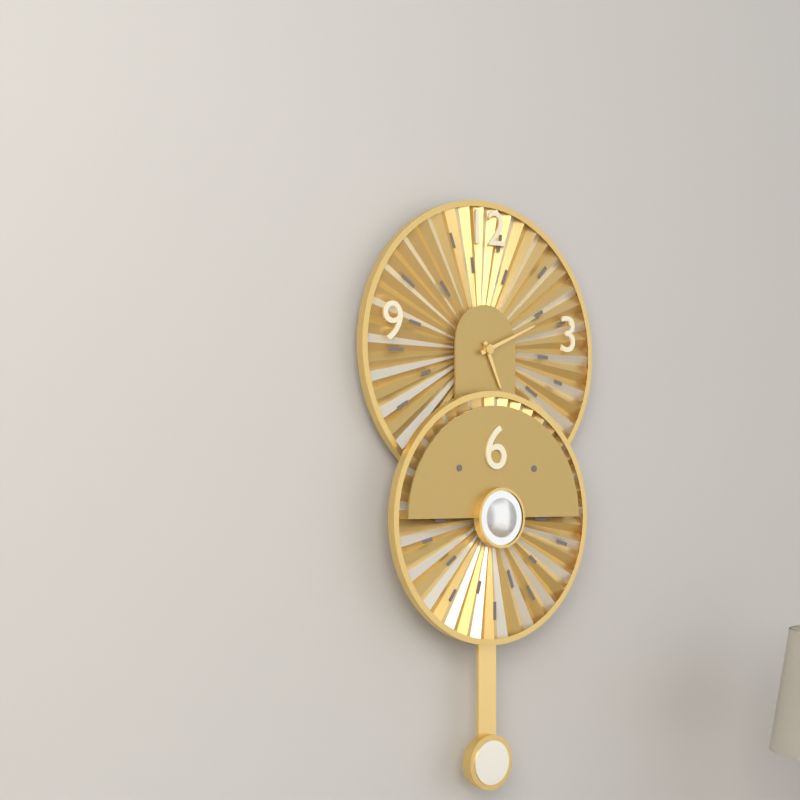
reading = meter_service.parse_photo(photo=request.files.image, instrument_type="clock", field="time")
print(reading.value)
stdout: 5:11
